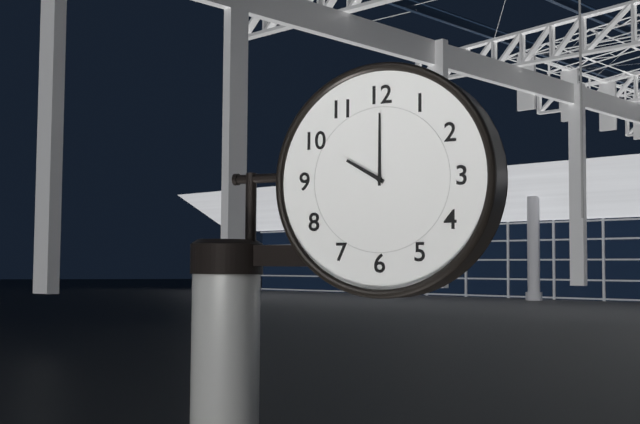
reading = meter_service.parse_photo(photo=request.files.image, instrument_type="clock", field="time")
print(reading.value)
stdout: 10:00
